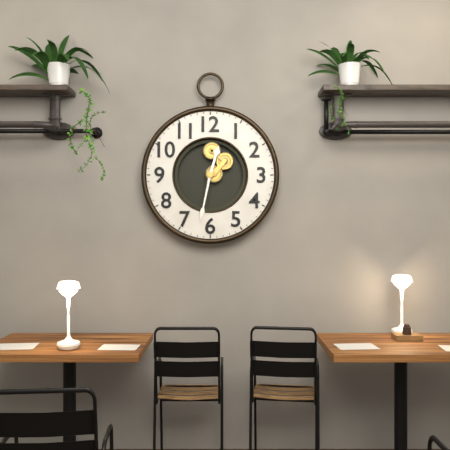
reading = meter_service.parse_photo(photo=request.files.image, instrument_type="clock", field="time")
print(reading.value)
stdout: 12:32
